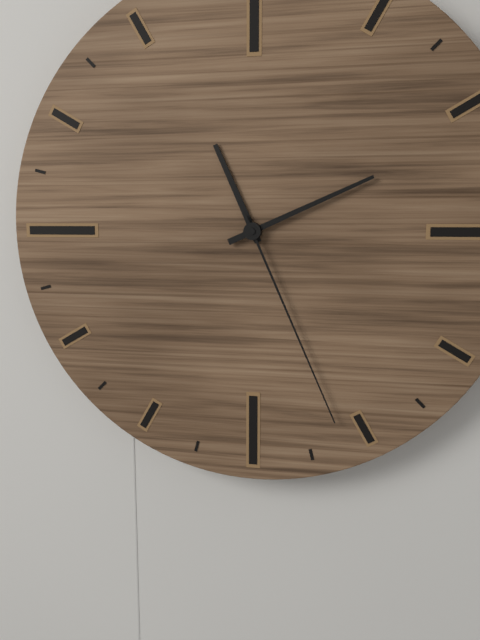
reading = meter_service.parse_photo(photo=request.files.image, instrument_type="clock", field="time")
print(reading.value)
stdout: 11:11:26
